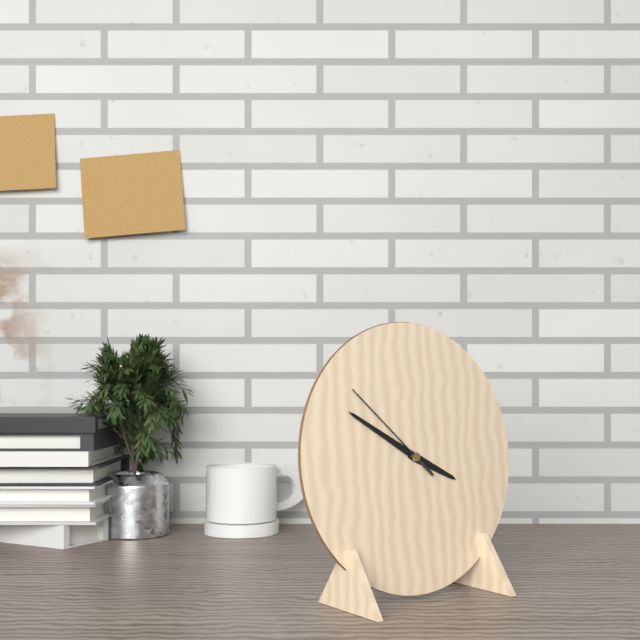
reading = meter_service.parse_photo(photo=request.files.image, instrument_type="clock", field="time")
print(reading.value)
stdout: 3:50:52
